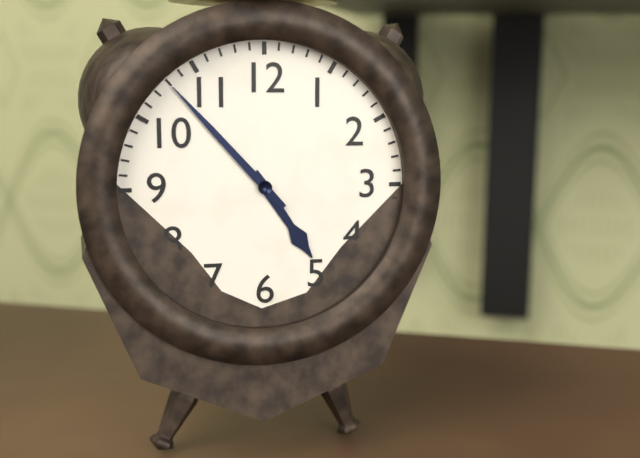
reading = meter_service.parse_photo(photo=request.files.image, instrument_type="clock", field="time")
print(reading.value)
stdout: 4:53
